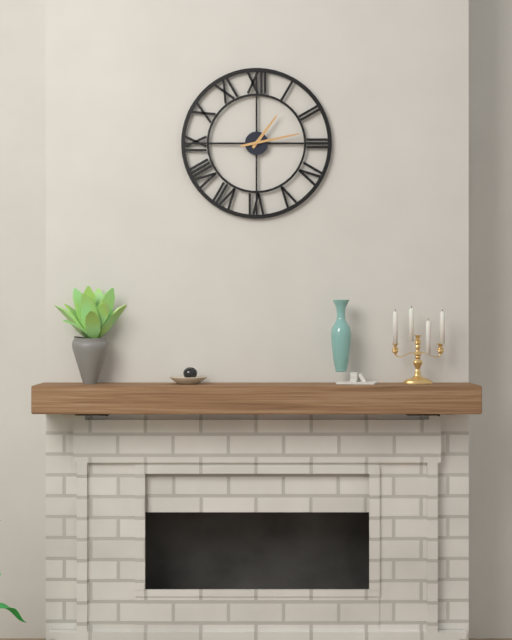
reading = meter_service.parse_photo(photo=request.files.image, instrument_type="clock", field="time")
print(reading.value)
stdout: 1:13
